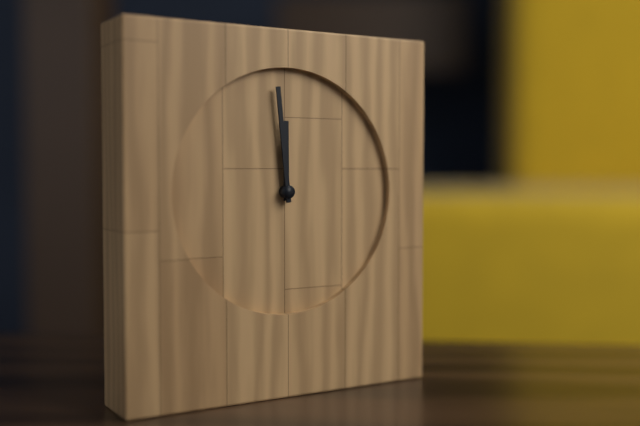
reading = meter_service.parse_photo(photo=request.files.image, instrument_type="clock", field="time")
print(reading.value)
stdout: 11:59
